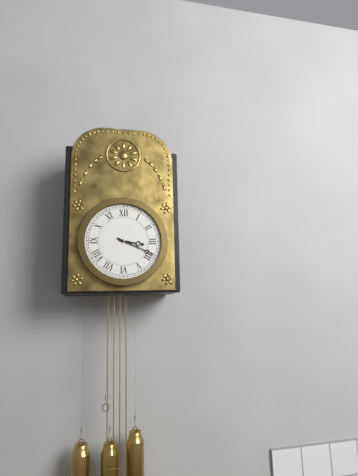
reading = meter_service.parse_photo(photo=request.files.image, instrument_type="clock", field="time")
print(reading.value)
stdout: 3:19
